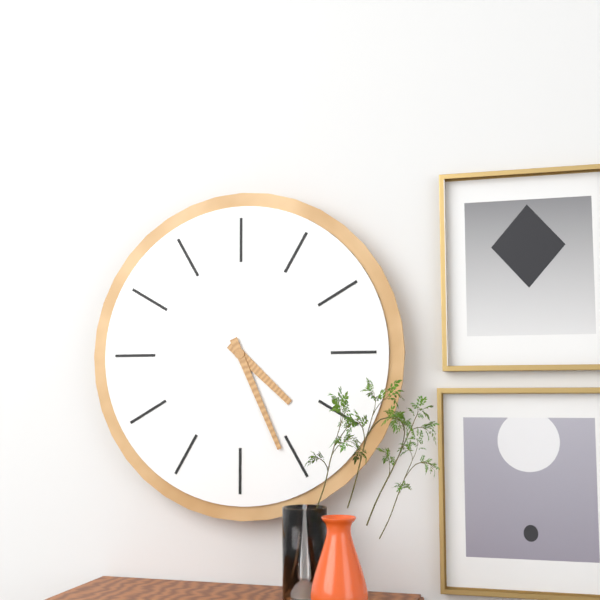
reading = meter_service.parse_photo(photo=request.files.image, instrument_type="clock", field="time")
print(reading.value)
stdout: 4:26
